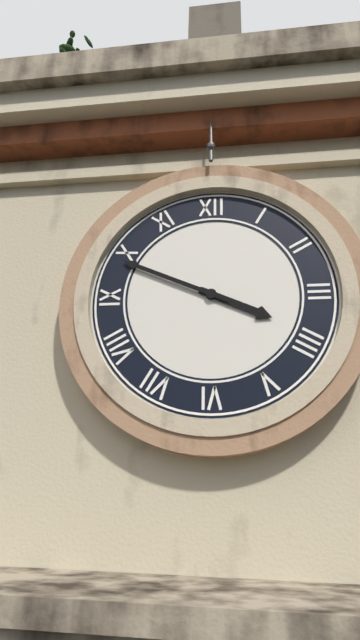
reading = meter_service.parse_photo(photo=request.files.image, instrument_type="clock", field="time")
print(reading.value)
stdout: 3:49
